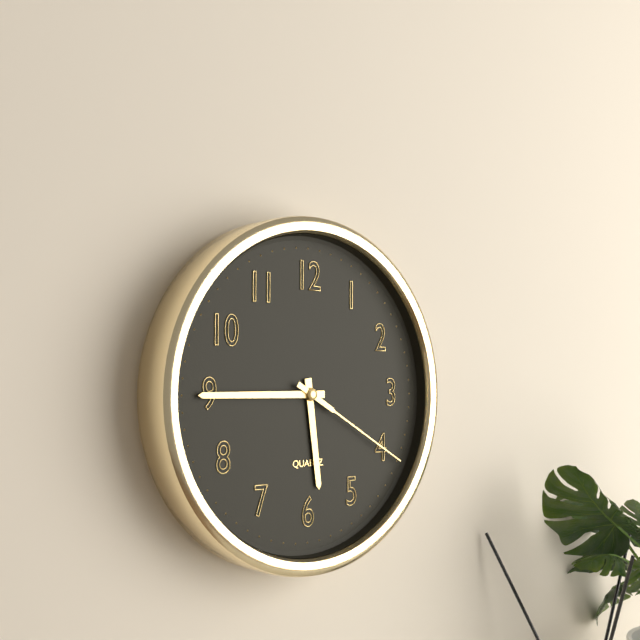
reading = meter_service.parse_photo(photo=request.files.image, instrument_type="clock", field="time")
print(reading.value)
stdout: 5:45:20
